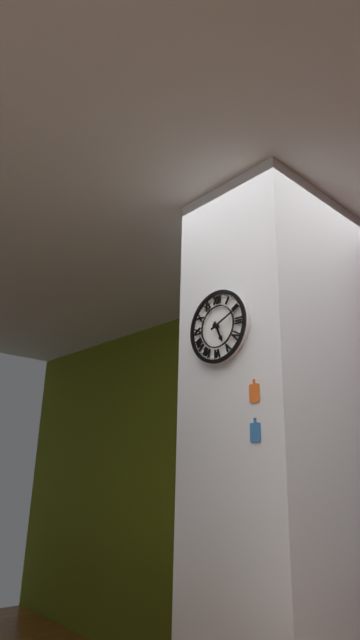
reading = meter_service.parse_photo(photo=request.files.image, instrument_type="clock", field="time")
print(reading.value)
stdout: 5:11
